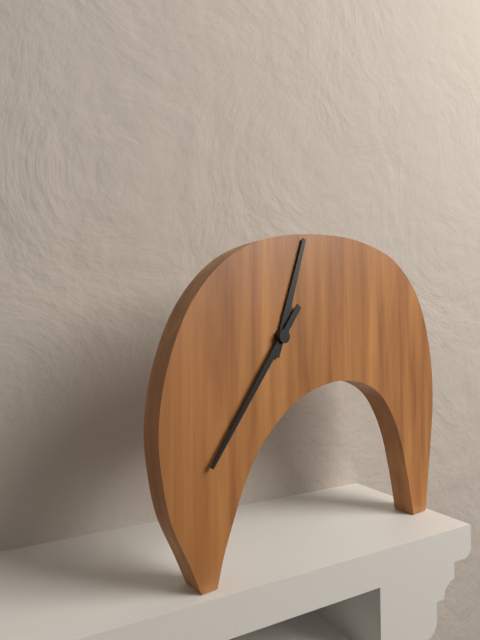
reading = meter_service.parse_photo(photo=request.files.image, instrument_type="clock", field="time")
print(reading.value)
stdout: 12:36
